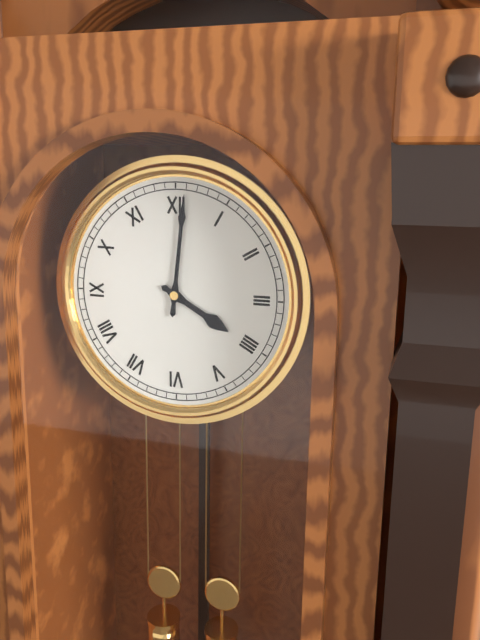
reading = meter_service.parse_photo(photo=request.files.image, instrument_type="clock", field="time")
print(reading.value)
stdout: 4:01
